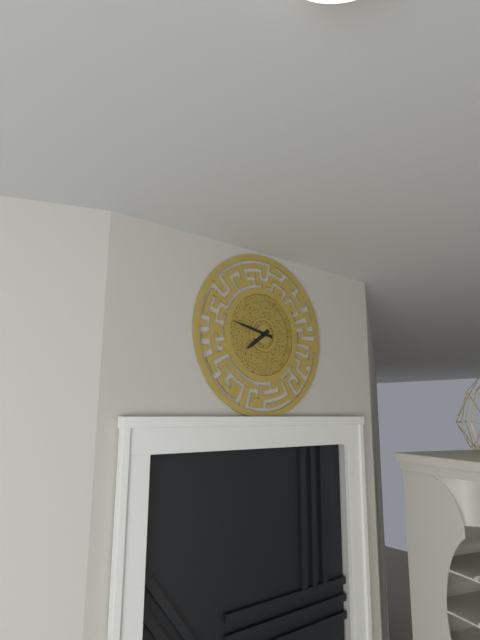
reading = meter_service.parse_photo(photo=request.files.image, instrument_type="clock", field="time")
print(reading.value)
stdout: 7:47
